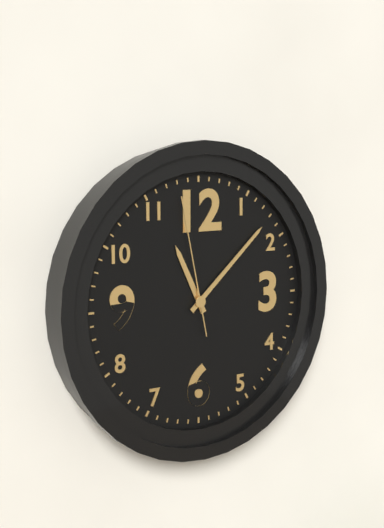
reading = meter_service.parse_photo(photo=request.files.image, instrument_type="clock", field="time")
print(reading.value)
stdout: 11:08:58
